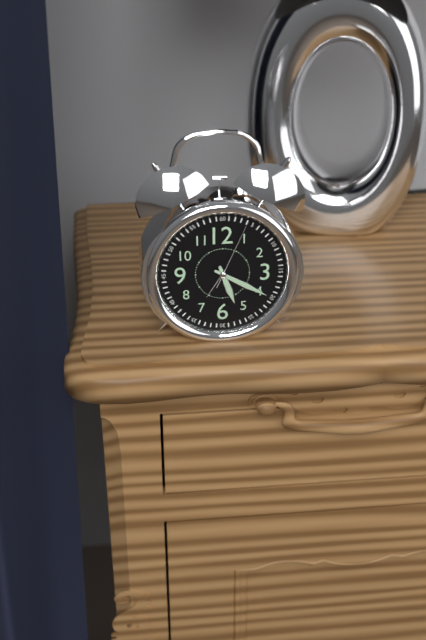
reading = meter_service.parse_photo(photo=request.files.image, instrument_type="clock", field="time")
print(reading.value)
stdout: 5:20:04
